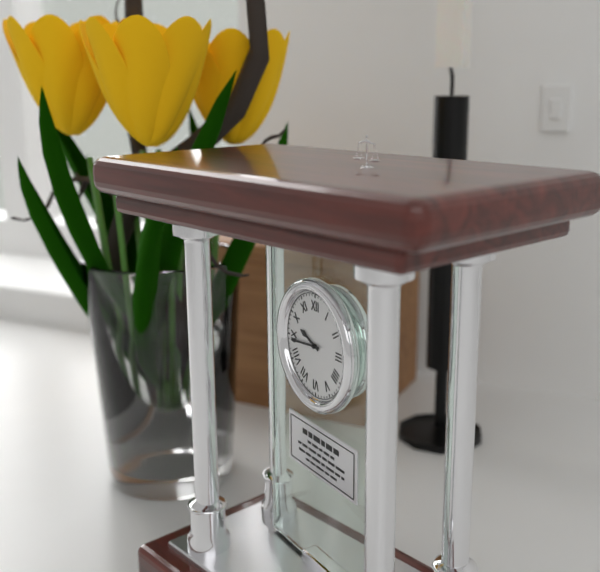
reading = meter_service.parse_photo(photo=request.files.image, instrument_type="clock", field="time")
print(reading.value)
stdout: 9:44
